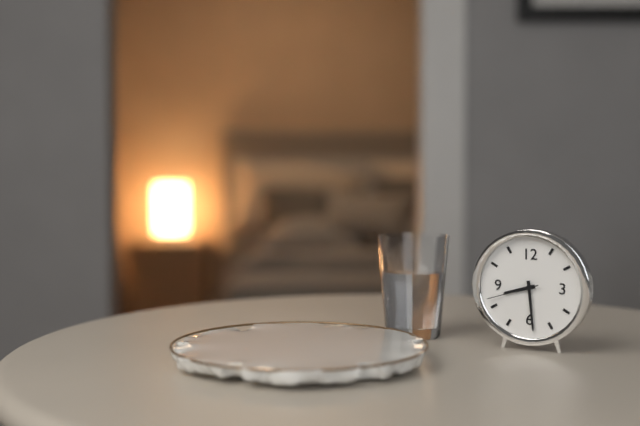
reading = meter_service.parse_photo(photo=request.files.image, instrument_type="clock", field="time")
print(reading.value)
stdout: 8:29:42
